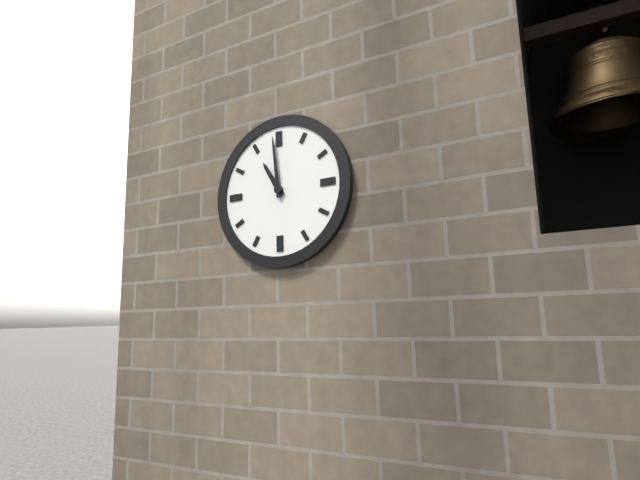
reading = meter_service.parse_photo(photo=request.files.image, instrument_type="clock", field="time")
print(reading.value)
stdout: 10:59
